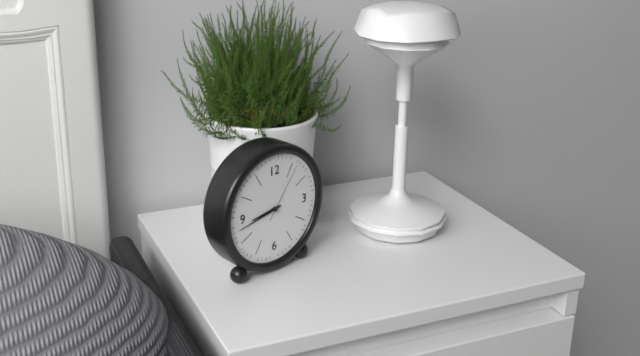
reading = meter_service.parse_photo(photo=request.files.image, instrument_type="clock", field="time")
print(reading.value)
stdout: 8:43:06
